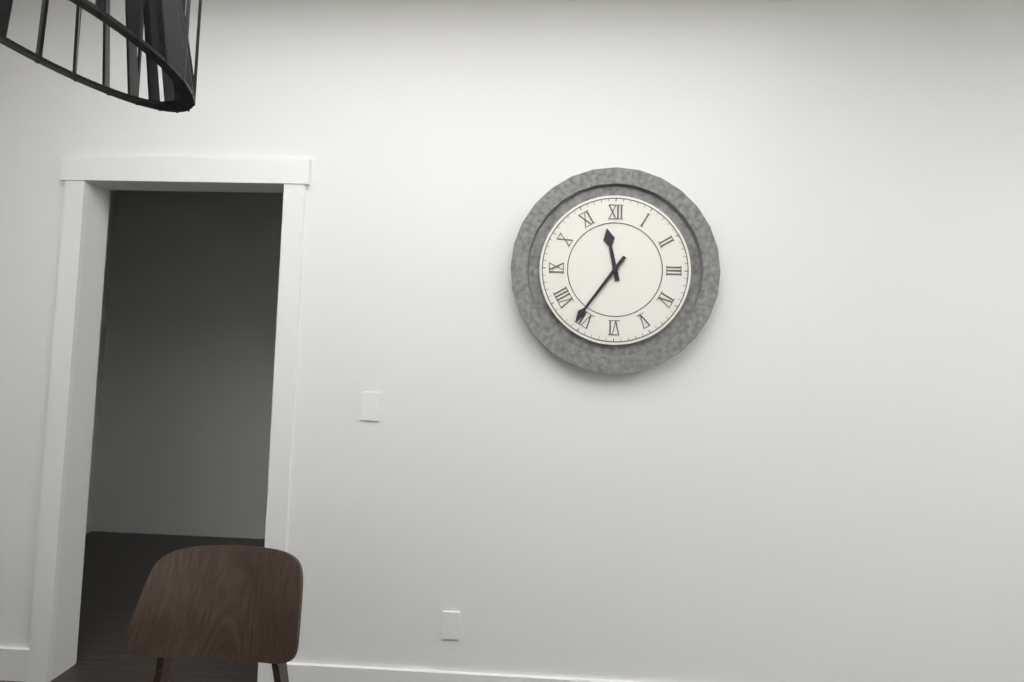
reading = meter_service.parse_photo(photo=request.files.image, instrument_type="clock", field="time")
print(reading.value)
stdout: 11:36
